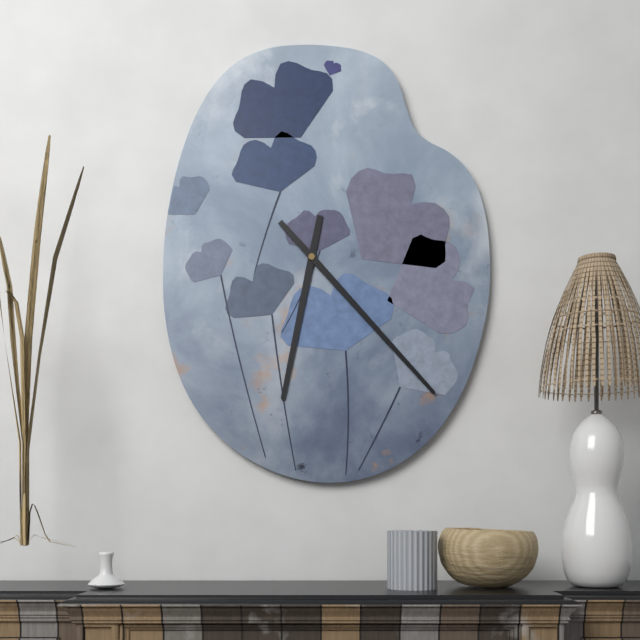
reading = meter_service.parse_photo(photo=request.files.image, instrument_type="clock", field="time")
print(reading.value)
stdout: 6:23
